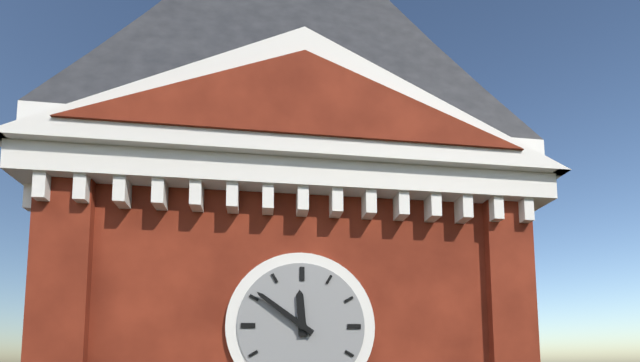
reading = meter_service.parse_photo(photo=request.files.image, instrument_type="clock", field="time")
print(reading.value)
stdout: 11:51
